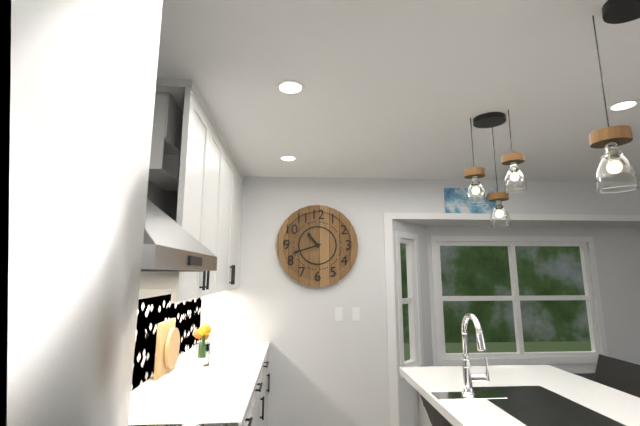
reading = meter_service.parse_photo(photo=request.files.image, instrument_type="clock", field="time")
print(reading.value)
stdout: 10:42
